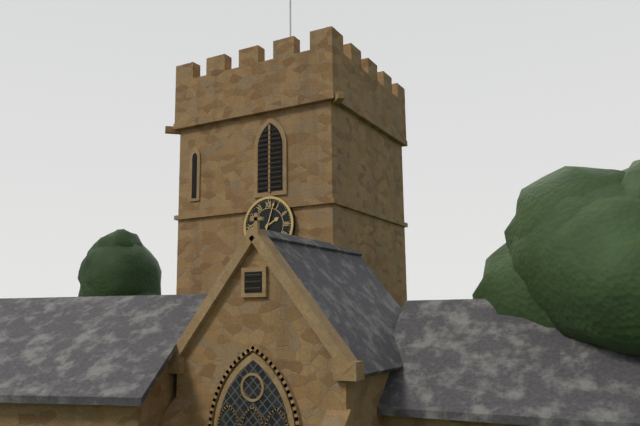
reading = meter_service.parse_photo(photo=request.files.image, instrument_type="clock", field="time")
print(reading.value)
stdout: 2:03
